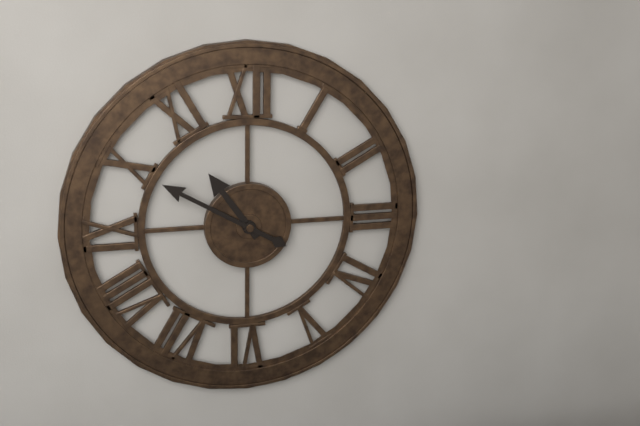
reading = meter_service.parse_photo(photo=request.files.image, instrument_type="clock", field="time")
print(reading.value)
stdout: 10:50
